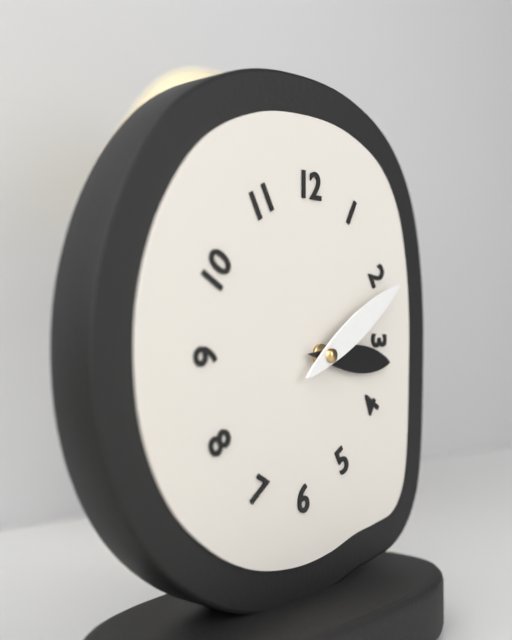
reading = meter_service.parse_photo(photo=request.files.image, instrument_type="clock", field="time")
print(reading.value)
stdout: 3:10
